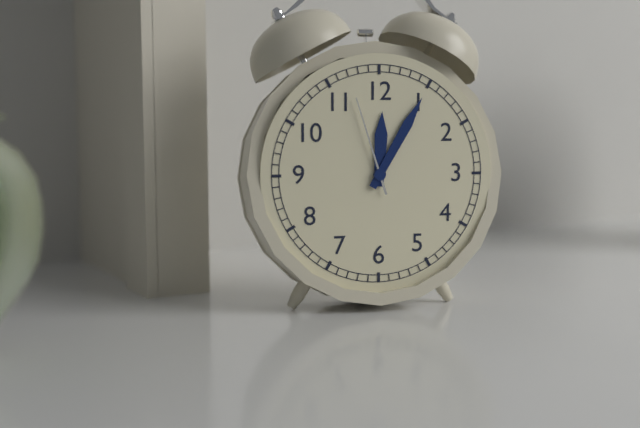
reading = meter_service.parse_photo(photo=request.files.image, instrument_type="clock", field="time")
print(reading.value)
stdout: 12:05:57
